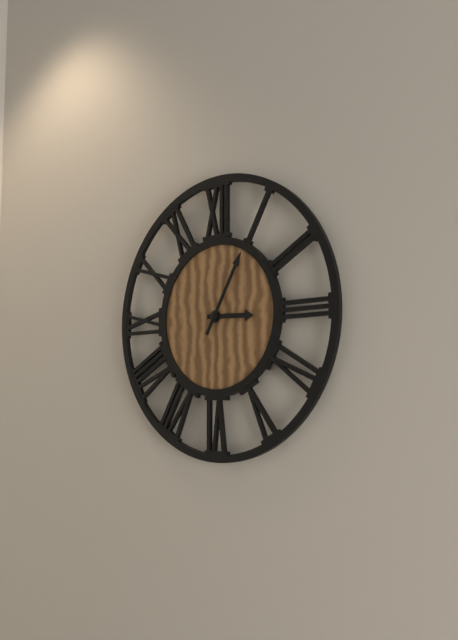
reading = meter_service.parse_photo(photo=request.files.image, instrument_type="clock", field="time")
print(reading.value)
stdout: 3:05
